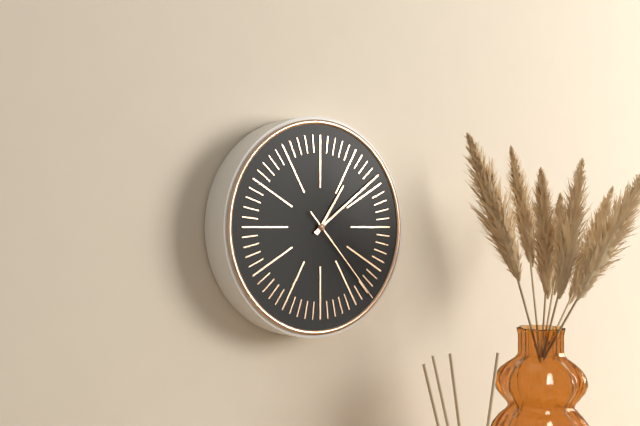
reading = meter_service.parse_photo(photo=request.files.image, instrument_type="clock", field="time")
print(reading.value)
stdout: 1:09:23
